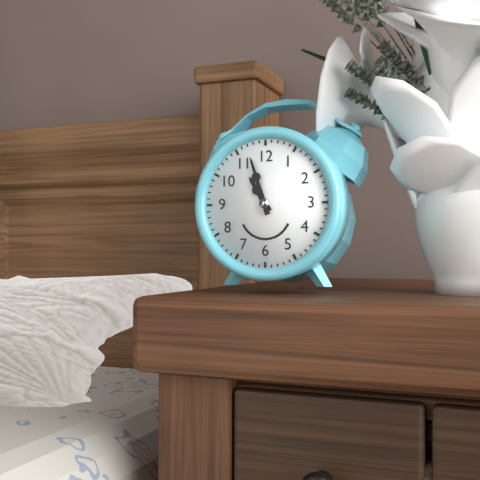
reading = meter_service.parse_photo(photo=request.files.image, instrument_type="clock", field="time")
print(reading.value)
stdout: 10:57
